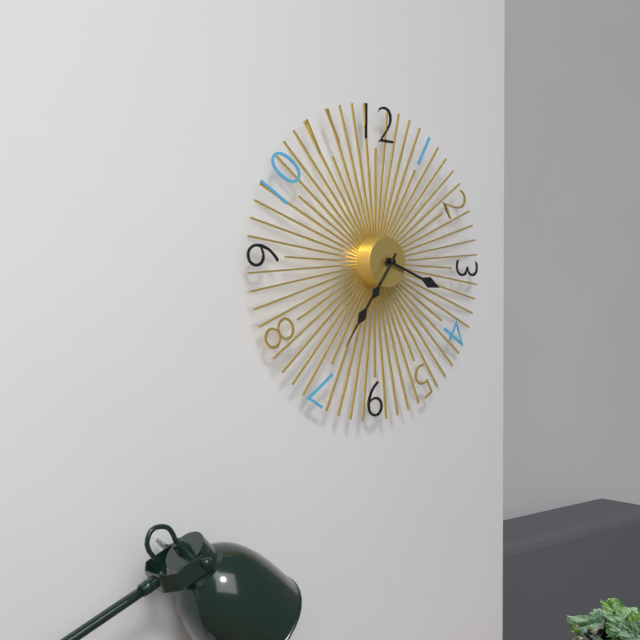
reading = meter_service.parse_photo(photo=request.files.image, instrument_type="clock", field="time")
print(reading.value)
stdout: 3:36
